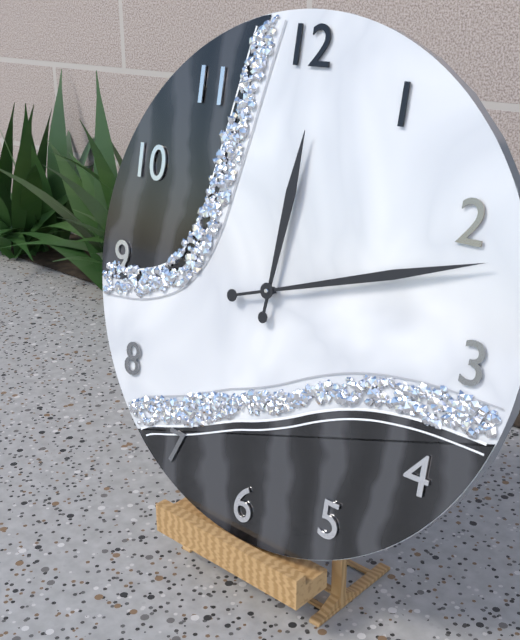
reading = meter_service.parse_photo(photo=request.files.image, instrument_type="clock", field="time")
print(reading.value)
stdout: 12:12
